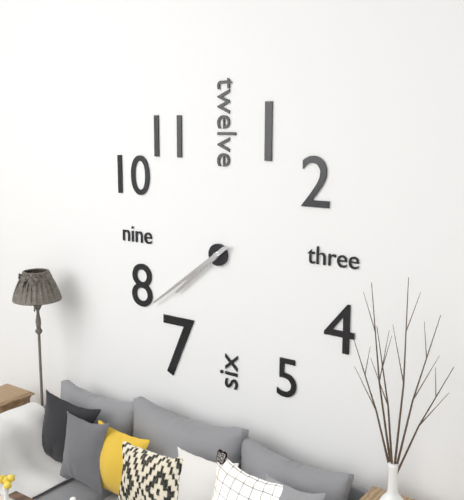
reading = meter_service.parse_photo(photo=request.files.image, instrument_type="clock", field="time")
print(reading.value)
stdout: 7:39
